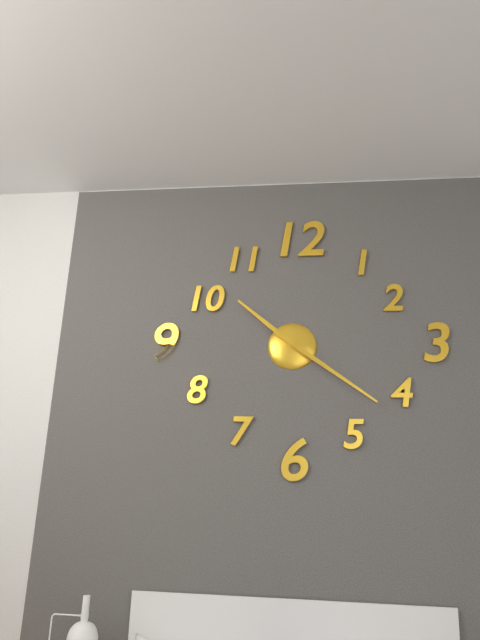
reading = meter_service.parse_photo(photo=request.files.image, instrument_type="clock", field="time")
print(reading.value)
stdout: 10:21
